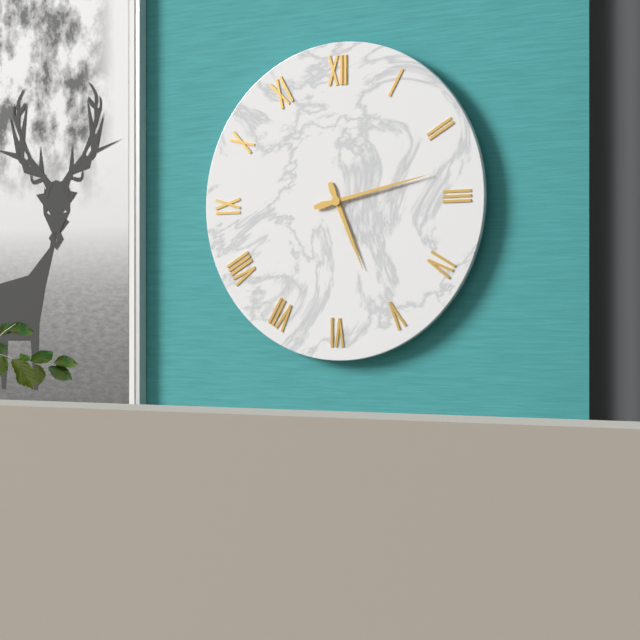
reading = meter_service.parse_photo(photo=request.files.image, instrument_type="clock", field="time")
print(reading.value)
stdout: 5:13
